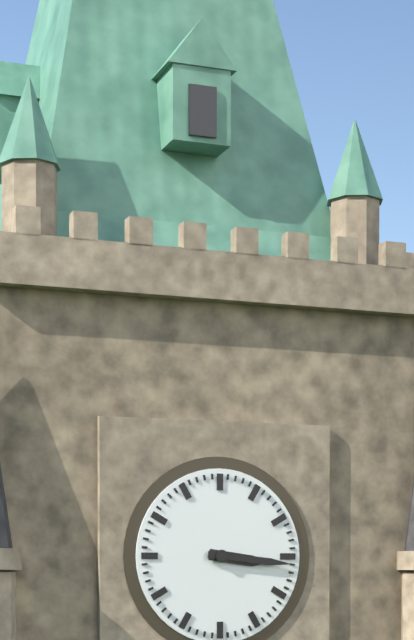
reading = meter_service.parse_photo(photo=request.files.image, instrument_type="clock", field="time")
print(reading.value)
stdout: 3:16
